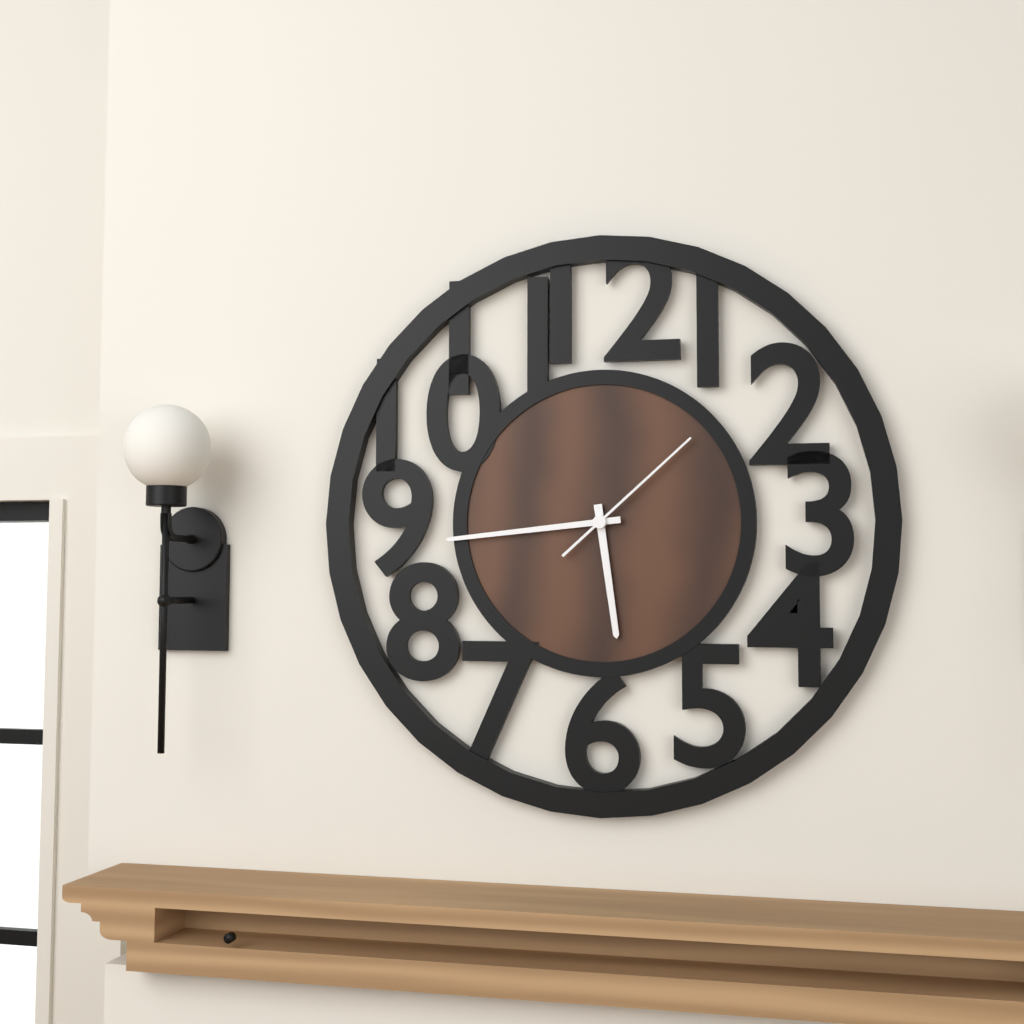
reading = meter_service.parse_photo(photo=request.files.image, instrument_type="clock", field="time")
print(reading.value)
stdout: 5:44:08
